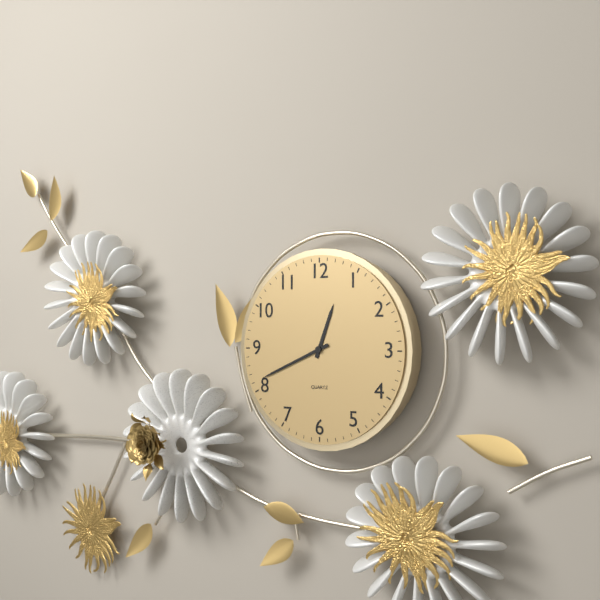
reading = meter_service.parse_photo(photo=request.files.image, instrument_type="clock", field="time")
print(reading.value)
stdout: 12:41
